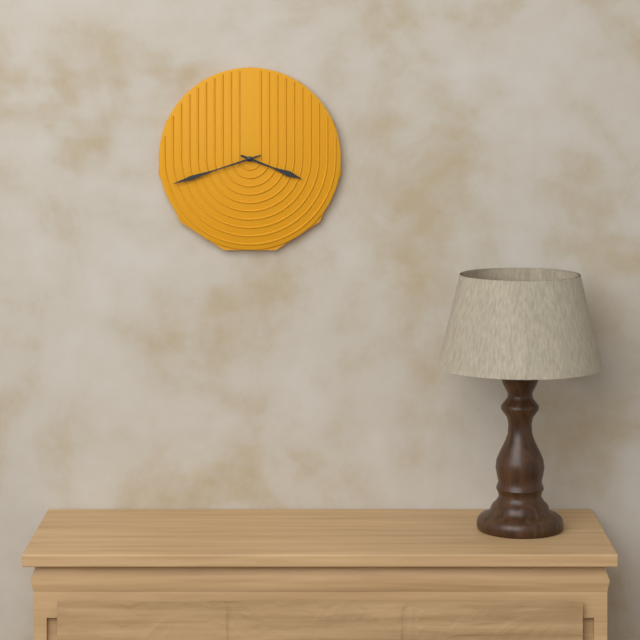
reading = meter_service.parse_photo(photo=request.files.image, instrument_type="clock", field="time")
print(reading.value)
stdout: 3:42
